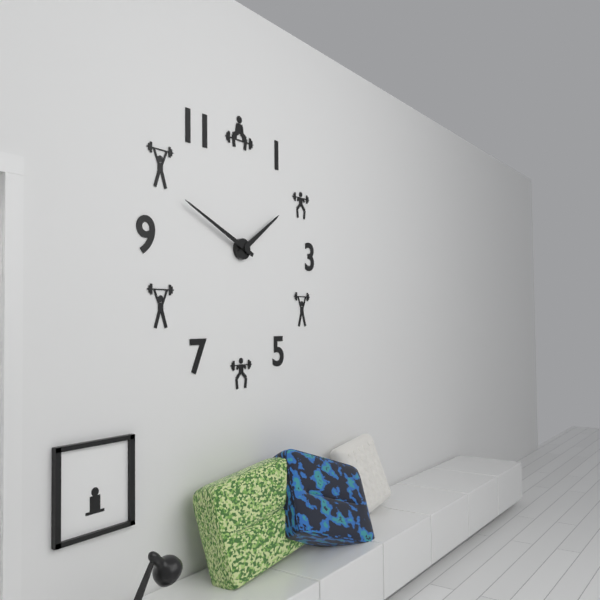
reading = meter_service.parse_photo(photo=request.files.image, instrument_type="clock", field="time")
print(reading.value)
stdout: 1:49
